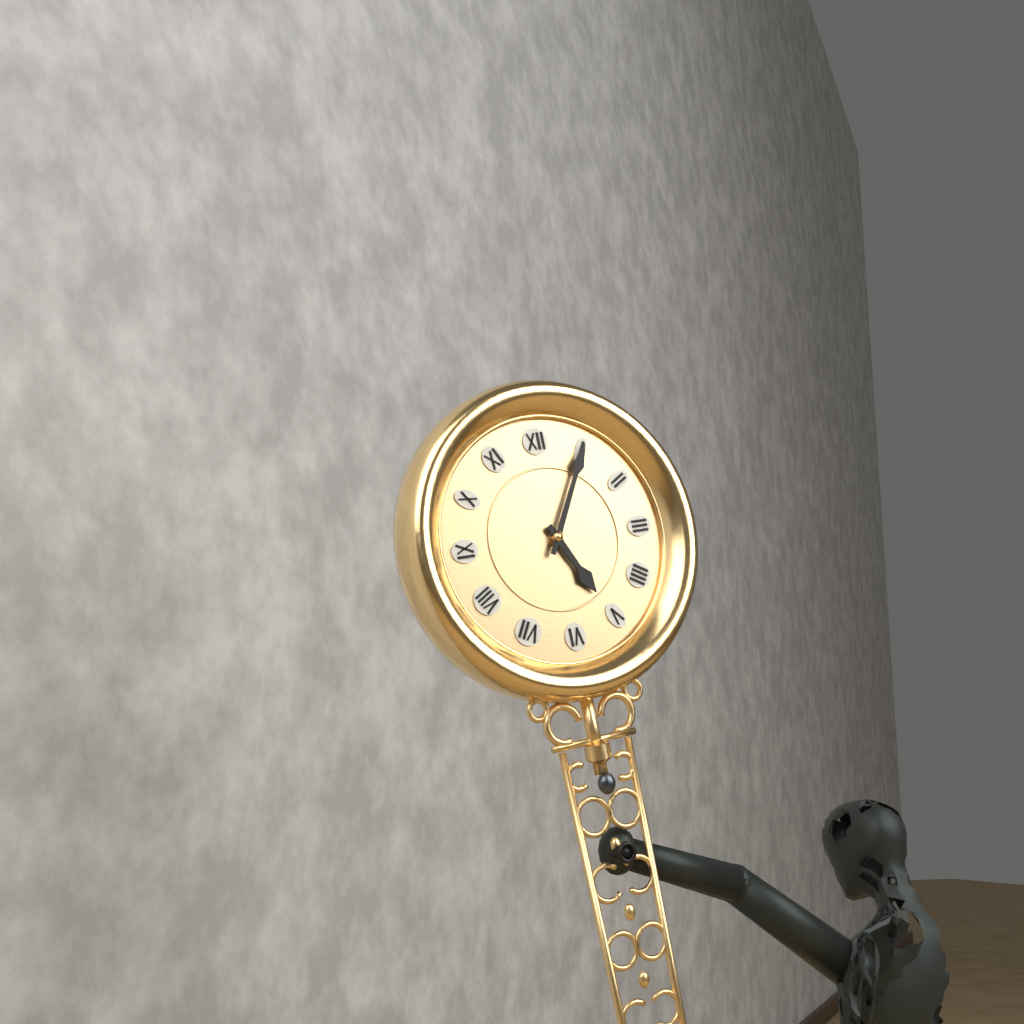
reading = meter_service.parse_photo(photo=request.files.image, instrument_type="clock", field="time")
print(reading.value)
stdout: 5:05
